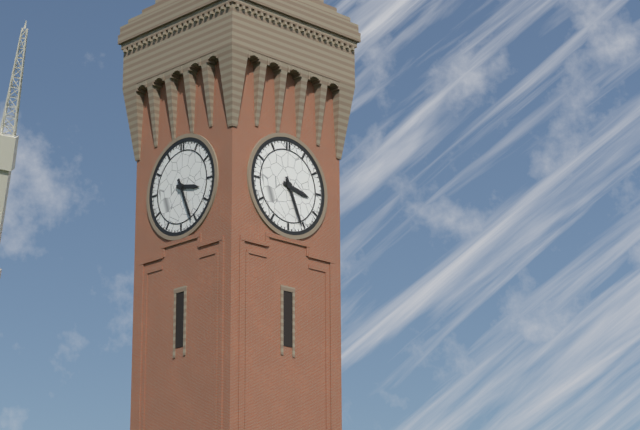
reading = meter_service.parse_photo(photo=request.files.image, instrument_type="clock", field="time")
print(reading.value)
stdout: 3:26
